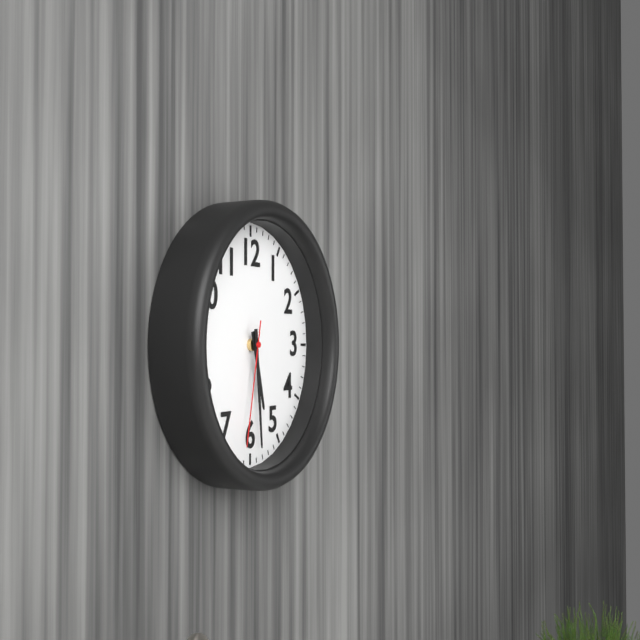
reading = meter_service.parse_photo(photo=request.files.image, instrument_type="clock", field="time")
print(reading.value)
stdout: 5:29:32
